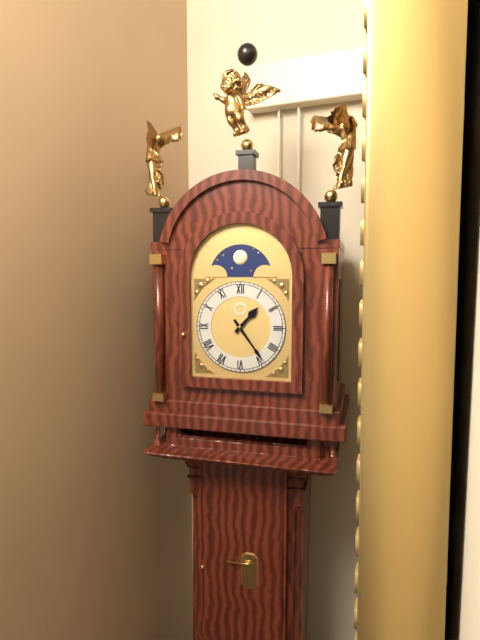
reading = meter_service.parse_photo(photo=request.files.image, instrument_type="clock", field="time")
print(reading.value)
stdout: 1:24
